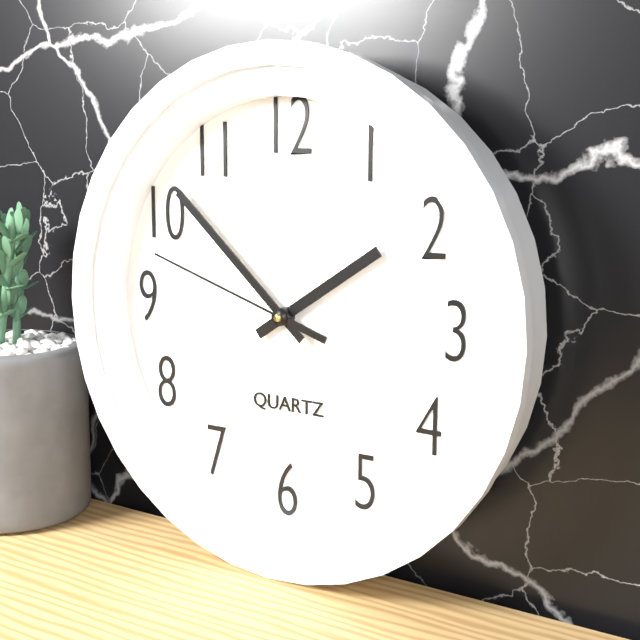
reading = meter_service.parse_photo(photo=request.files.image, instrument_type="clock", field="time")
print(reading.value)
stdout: 1:52:48
